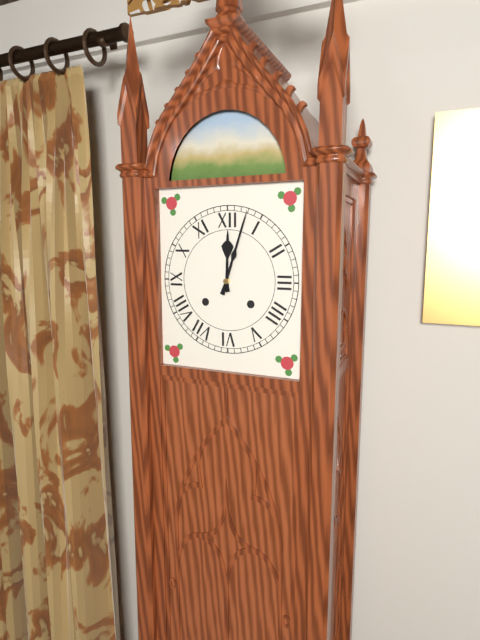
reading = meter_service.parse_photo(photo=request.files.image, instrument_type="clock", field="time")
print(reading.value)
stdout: 12:03
